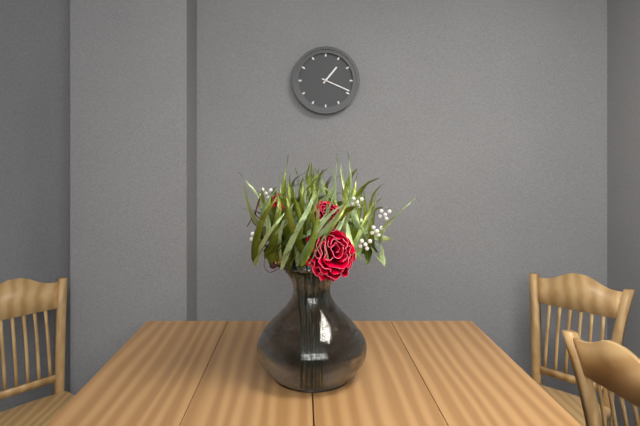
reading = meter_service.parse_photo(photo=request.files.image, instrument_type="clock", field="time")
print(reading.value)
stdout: 1:19
